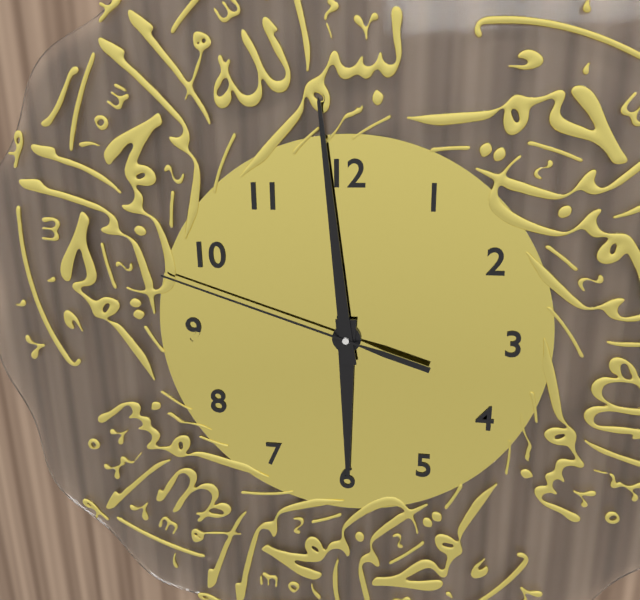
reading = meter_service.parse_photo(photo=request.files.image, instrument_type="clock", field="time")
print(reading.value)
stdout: 5:59:48
